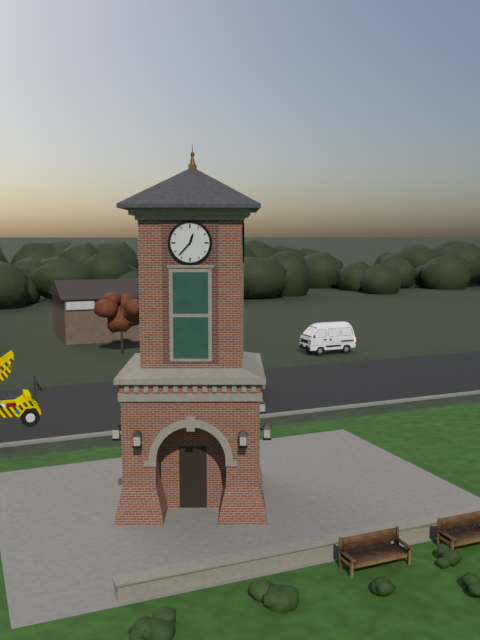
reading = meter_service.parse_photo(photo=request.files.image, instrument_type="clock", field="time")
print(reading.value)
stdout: 12:37
